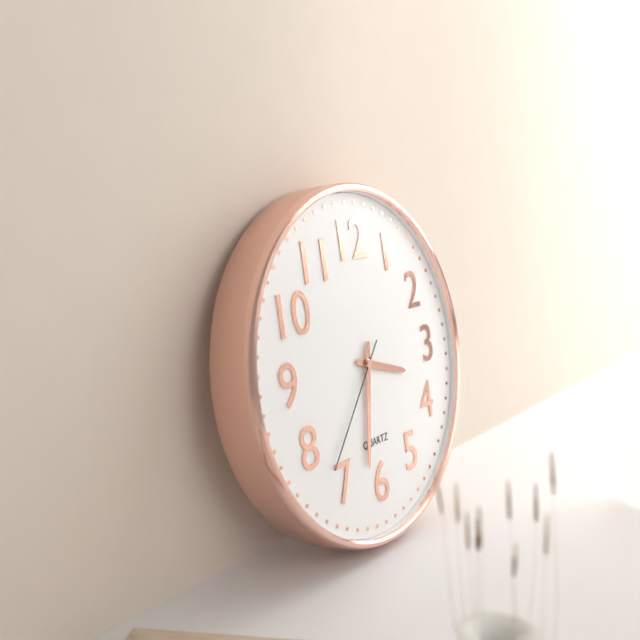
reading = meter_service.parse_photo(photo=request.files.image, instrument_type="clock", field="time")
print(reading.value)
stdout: 3:32:37
